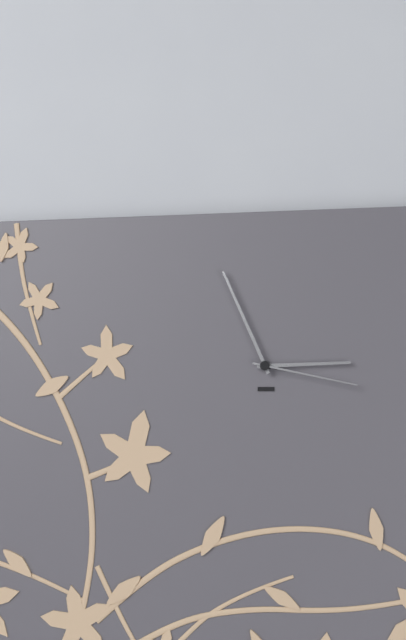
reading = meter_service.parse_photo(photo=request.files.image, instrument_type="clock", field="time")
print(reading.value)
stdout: 2:56:17
